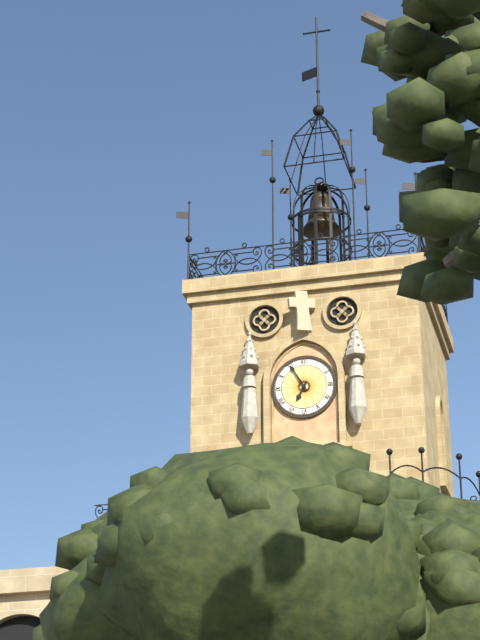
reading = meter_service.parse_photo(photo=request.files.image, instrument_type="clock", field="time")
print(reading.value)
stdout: 6:55
